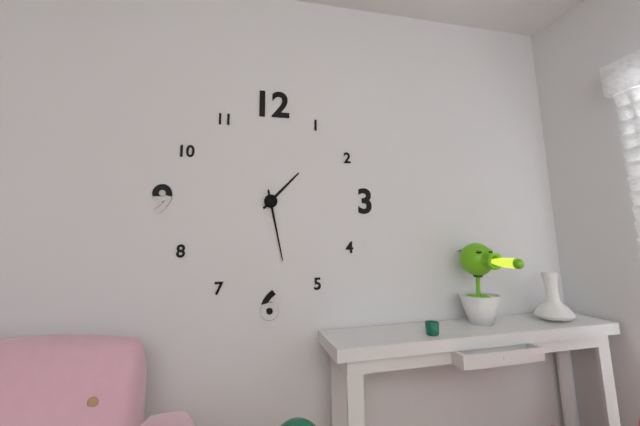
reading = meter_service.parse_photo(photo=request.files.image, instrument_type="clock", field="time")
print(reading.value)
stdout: 1:28
